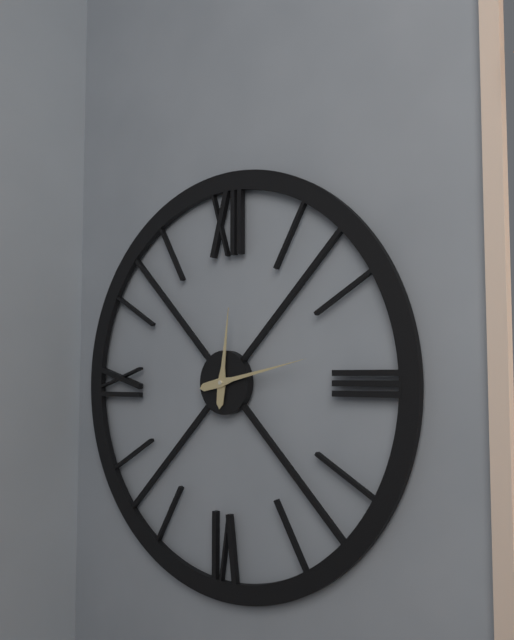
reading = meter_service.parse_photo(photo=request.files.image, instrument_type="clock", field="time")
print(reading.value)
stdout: 12:13
